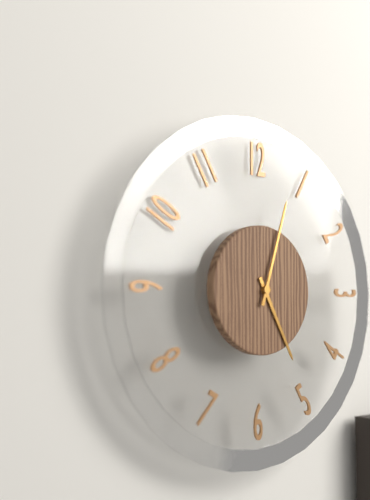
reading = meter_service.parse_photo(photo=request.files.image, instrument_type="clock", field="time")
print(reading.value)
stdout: 5:03
